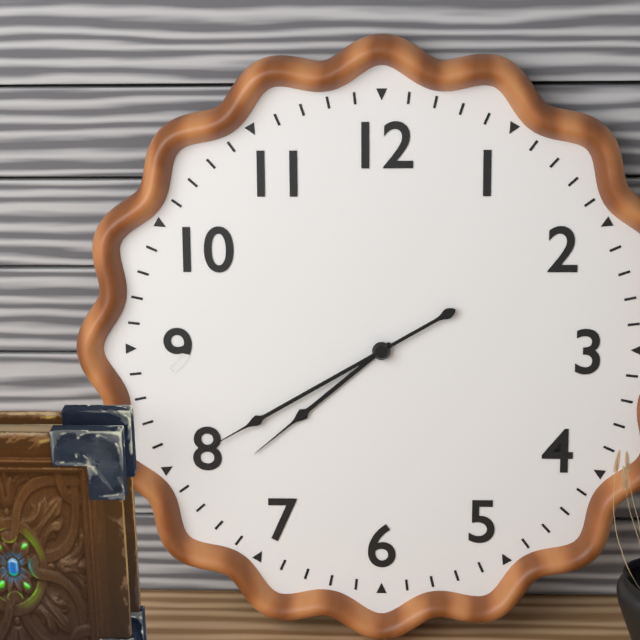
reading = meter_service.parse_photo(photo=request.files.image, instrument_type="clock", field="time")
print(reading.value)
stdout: 7:40
